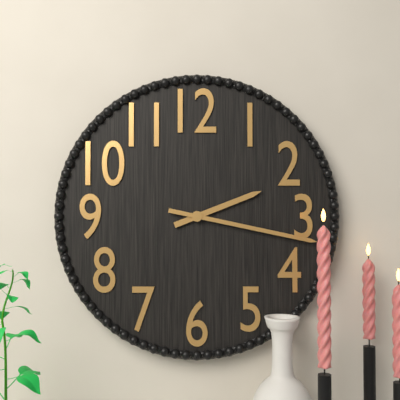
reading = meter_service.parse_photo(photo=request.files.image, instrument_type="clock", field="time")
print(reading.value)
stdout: 2:17
